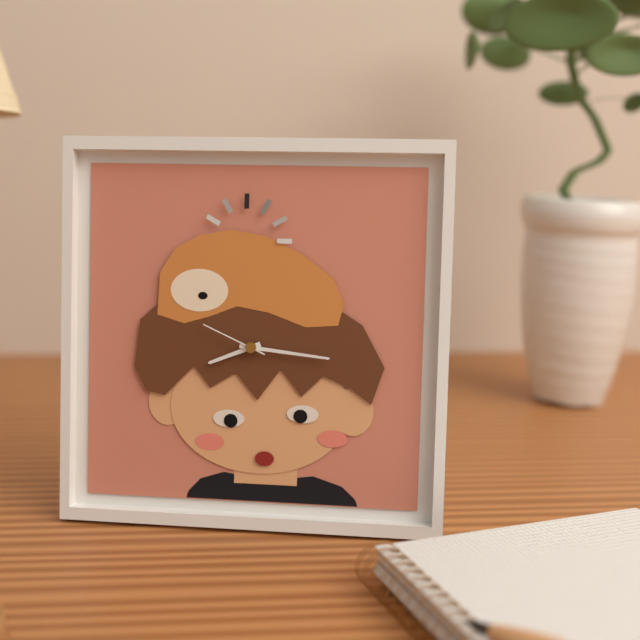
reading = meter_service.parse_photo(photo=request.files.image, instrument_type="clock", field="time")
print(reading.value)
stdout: 8:16:49
